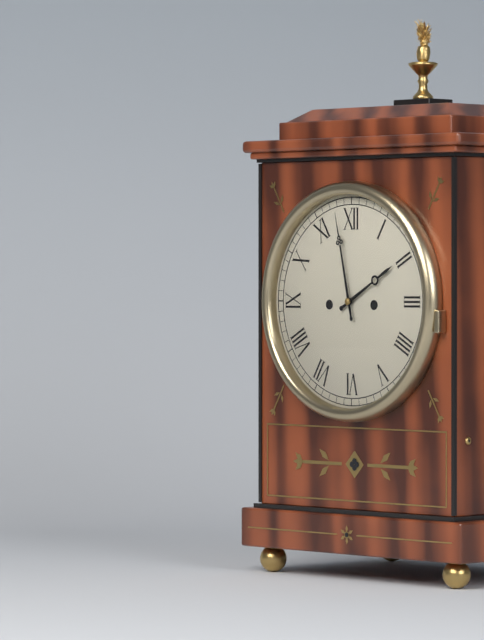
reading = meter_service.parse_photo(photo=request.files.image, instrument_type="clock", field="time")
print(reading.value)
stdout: 1:58
